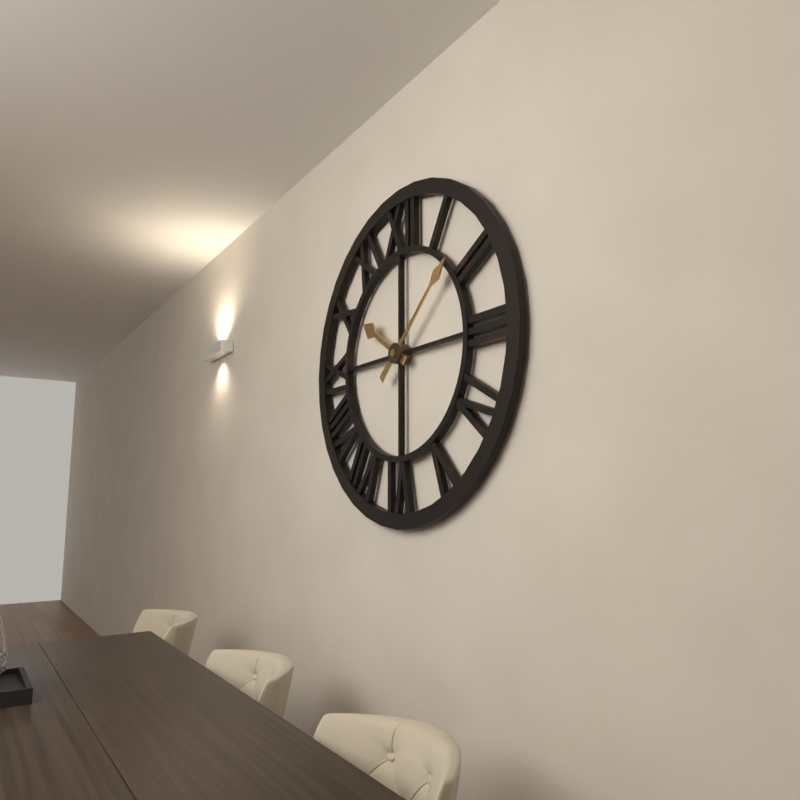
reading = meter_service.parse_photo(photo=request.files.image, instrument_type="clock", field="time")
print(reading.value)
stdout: 10:08
